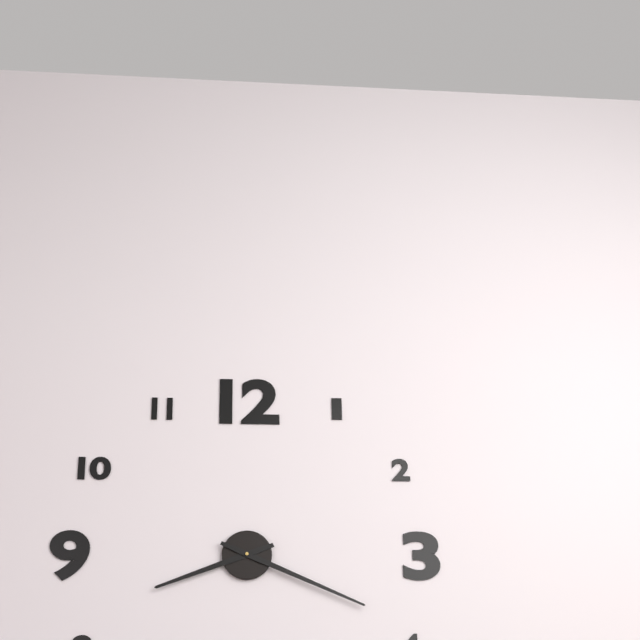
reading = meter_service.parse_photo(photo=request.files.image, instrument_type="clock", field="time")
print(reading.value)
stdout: 8:19
